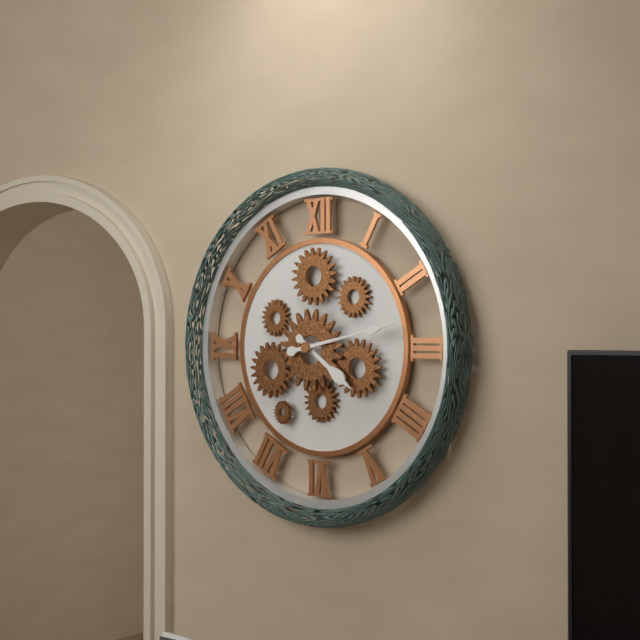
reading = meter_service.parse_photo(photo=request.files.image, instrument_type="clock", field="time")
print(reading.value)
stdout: 4:13
